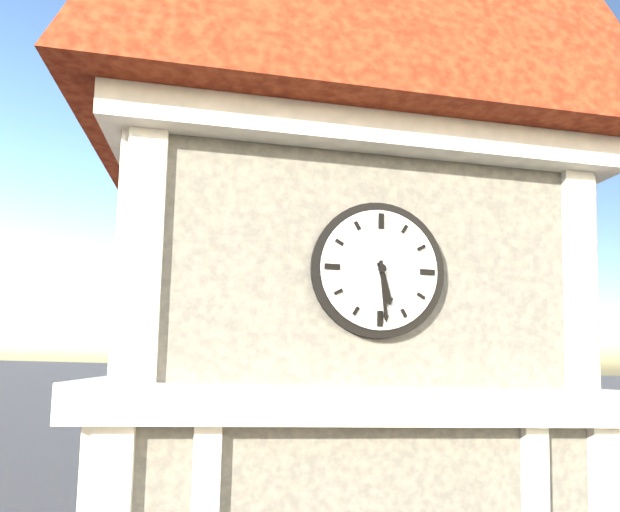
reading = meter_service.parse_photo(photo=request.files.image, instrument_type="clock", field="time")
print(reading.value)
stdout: 5:29
